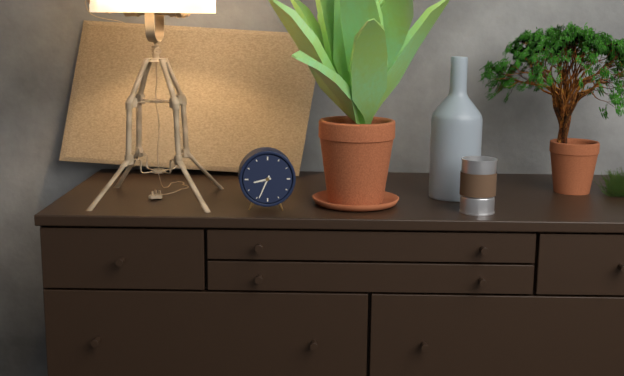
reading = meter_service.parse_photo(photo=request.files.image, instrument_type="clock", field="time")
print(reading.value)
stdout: 8:34
